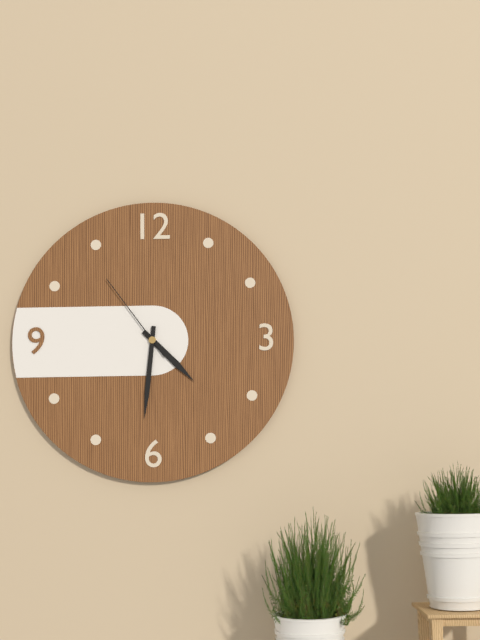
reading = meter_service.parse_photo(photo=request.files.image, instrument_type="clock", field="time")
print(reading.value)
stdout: 4:31:54
